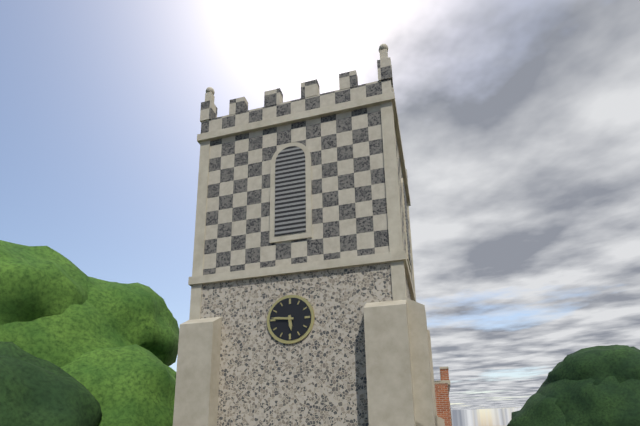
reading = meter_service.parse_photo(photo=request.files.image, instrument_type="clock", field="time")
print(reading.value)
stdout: 5:46
